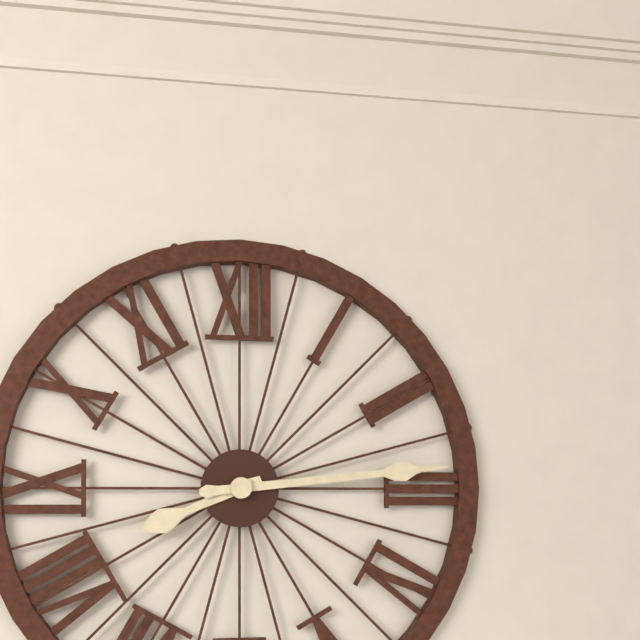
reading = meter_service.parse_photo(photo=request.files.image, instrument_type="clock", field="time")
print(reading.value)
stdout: 8:14
